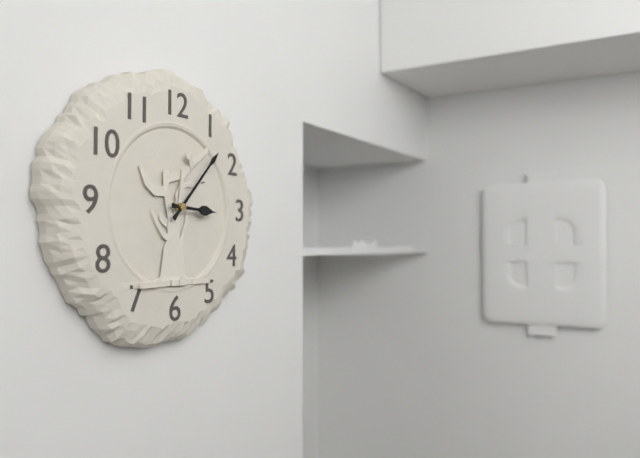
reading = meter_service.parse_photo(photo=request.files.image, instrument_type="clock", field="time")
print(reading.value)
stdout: 3:07
